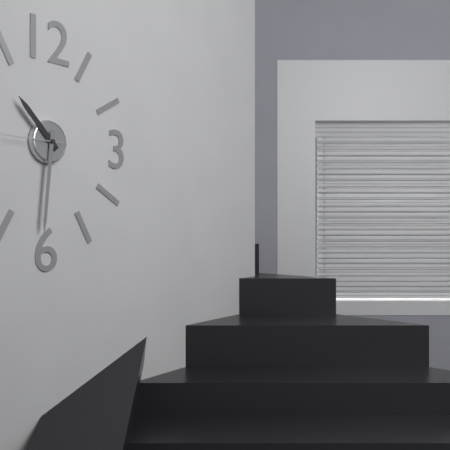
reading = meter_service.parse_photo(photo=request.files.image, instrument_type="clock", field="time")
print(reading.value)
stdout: 10:31
